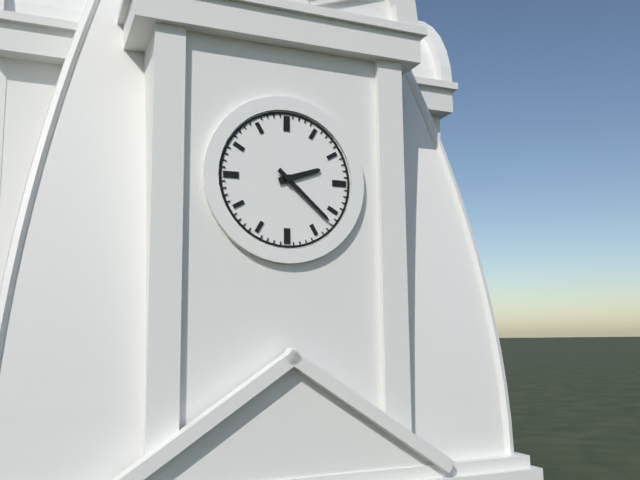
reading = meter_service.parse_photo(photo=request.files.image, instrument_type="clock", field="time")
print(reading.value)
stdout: 2:22
